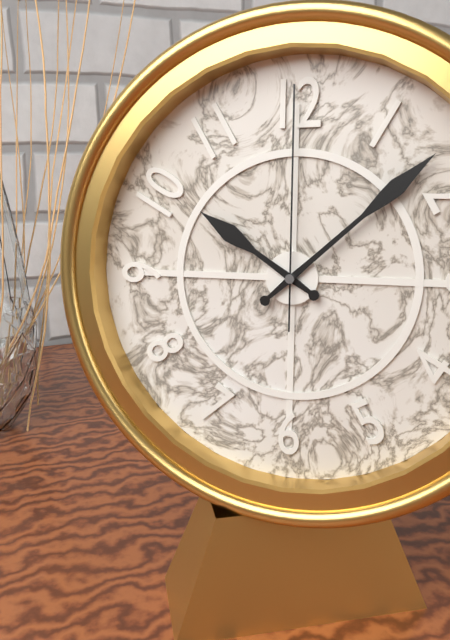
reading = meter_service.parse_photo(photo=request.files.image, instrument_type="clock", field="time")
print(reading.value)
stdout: 10:08:00
